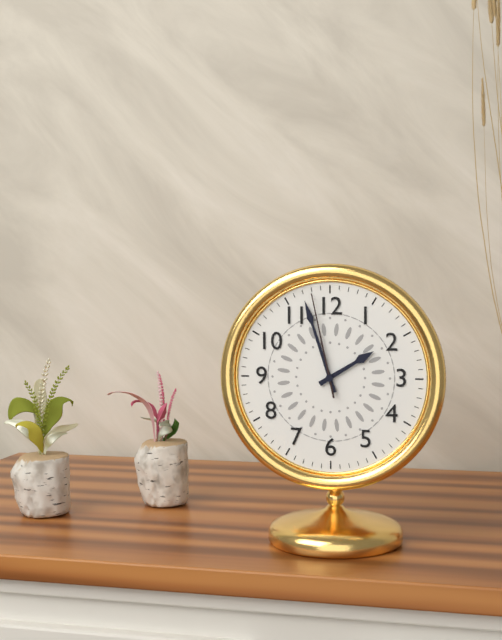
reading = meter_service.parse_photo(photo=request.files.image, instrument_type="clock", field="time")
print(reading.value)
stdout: 1:57:58
